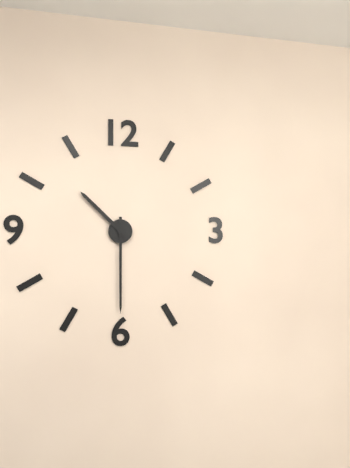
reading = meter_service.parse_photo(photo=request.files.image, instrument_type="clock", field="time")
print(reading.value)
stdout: 10:30
